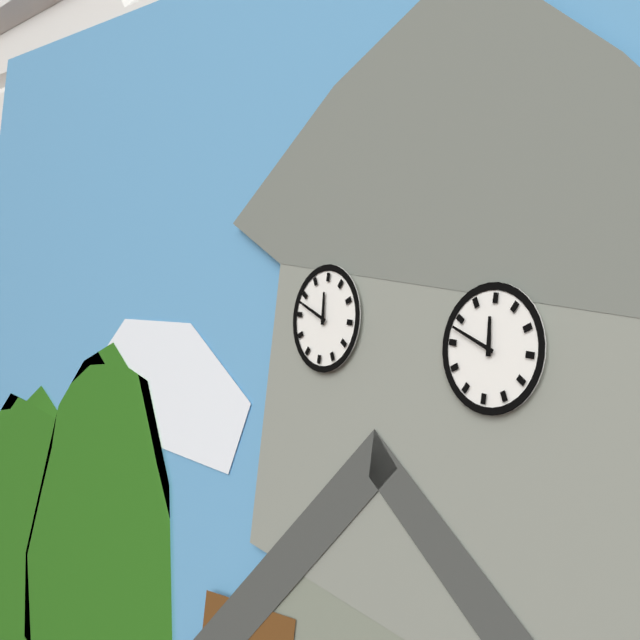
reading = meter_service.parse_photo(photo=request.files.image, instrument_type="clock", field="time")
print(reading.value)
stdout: 11:48
